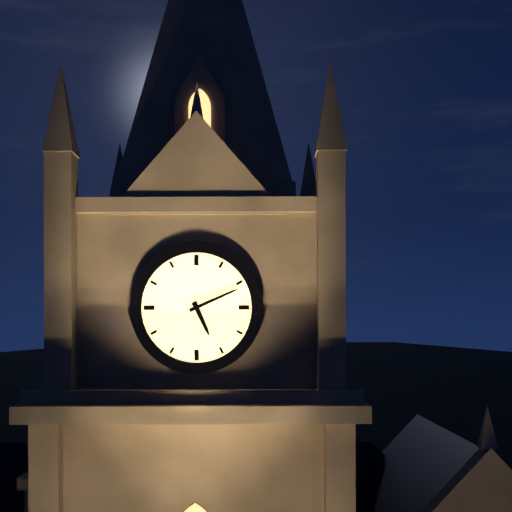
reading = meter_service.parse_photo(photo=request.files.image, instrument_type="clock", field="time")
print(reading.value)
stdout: 5:11
